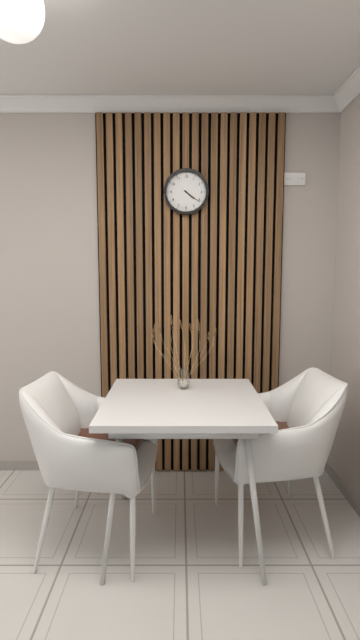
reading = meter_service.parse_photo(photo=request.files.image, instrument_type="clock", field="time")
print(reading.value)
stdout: 4:21
